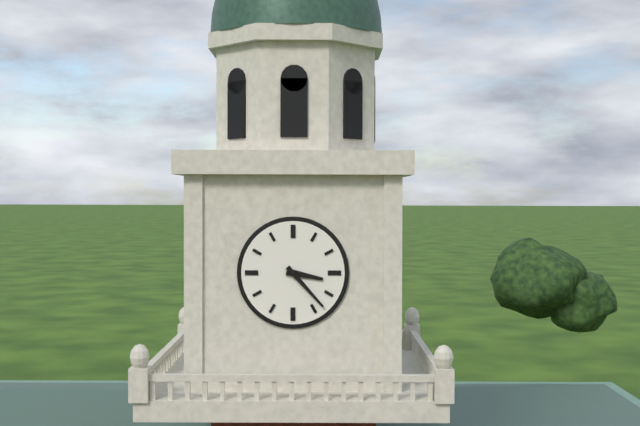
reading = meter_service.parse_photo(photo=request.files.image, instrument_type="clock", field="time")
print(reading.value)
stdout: 3:23
